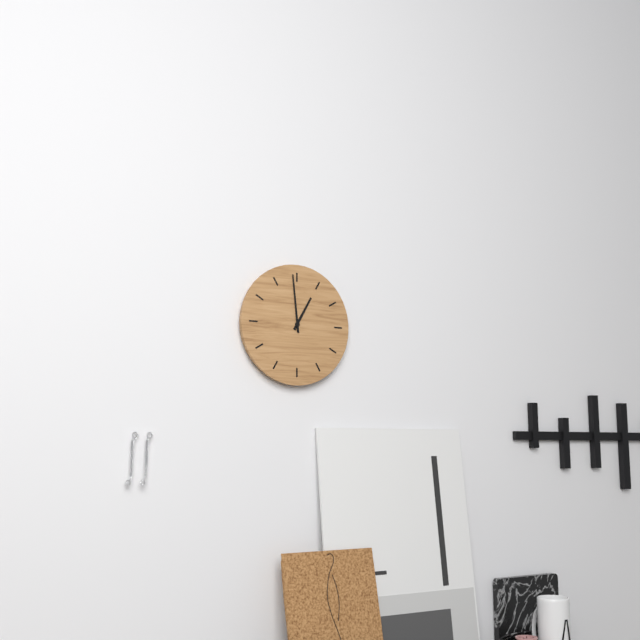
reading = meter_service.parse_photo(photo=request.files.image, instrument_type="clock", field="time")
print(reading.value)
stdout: 12:59
